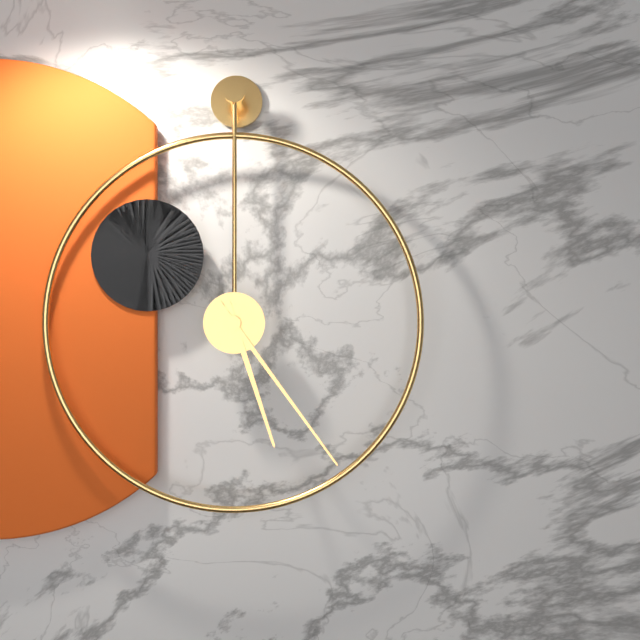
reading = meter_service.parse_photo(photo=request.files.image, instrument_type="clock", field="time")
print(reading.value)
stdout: 5:24
